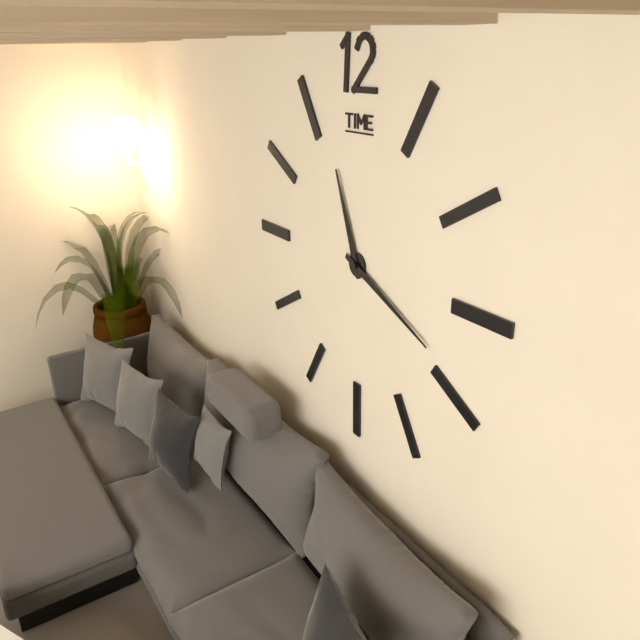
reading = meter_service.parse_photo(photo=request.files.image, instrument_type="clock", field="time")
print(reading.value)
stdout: 11:19
